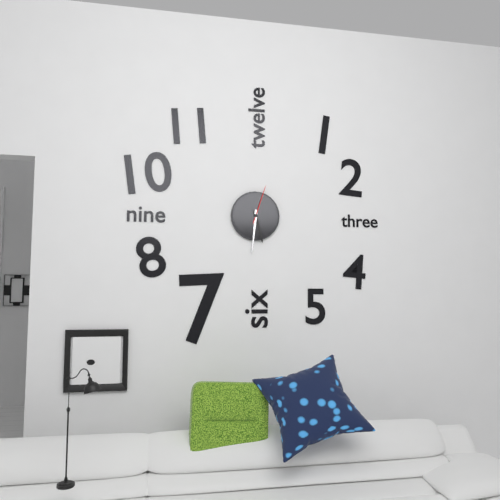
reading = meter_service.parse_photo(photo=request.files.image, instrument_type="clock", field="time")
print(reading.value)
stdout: 5:31
